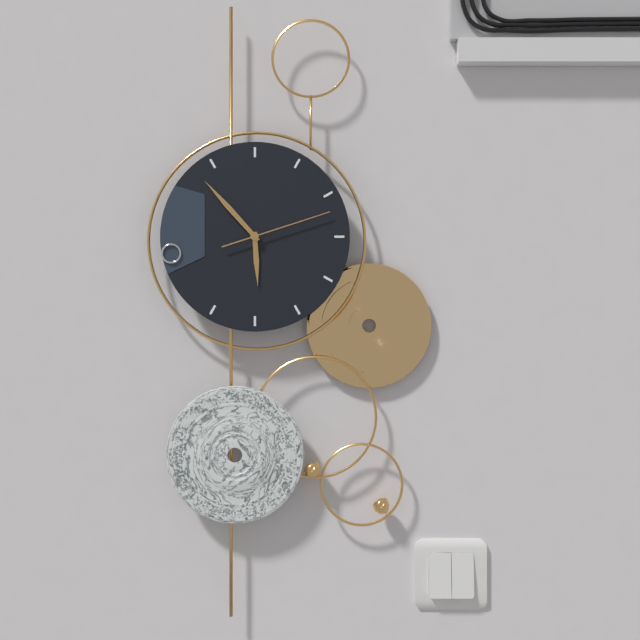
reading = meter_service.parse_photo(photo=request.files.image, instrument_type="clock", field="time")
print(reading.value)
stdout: 5:53:12
